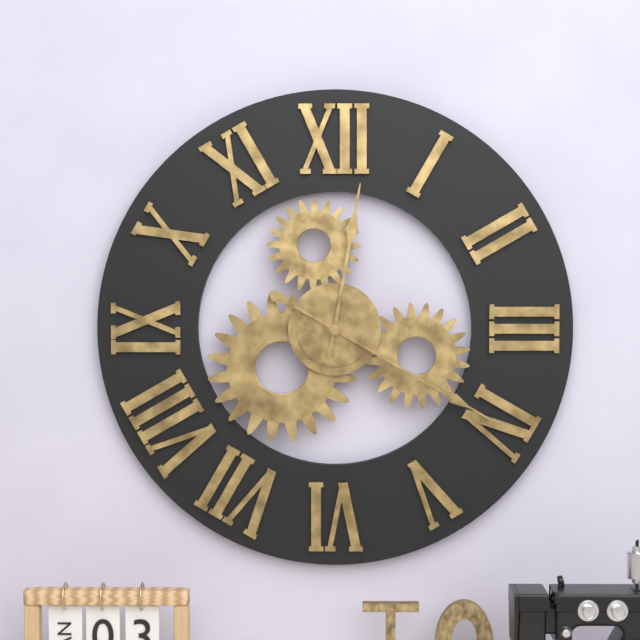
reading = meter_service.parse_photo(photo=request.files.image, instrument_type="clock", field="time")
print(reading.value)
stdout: 12:20
